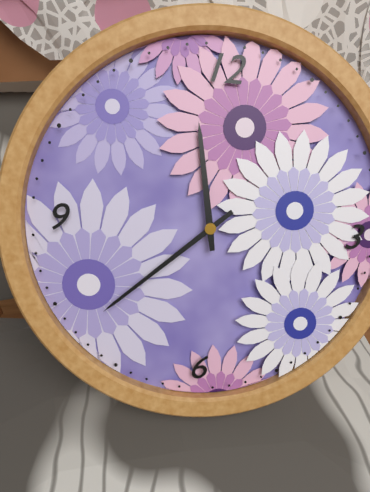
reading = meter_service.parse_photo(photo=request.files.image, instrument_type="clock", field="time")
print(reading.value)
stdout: 11:38
